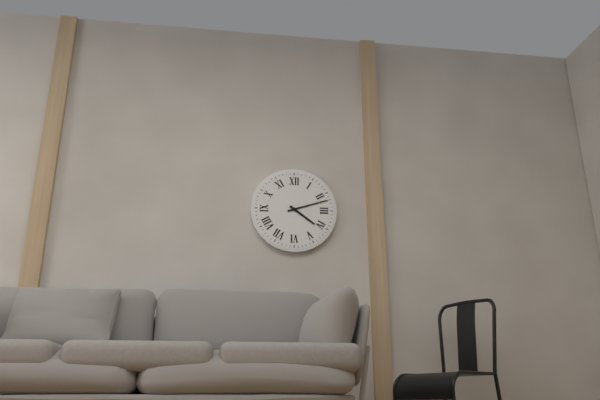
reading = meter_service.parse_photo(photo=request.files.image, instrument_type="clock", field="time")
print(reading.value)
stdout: 4:12
